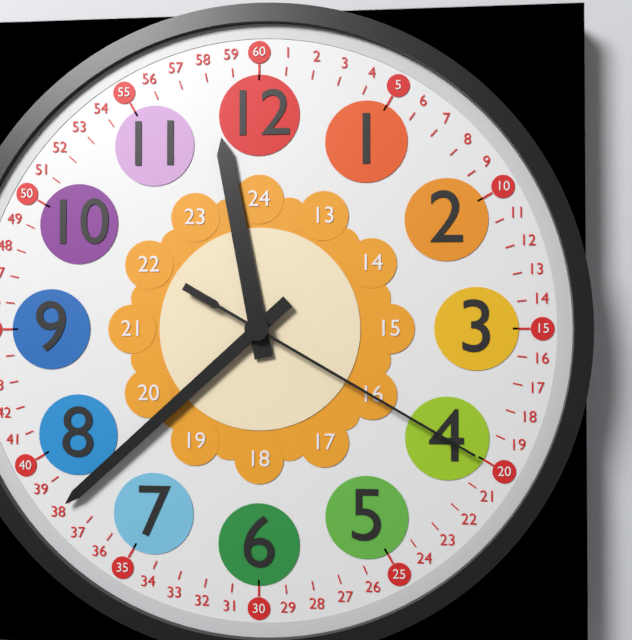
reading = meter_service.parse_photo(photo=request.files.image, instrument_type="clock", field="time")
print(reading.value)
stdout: 11:38:20
